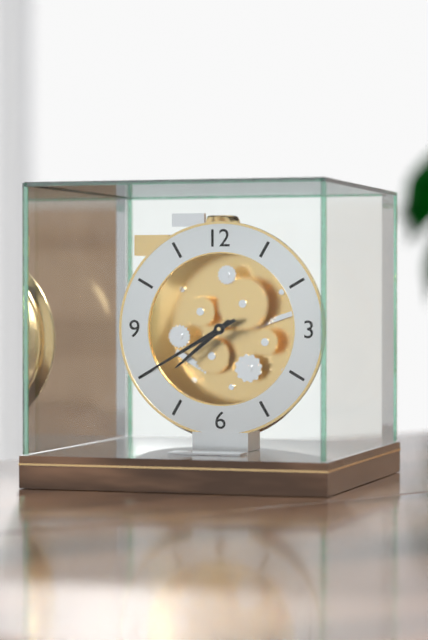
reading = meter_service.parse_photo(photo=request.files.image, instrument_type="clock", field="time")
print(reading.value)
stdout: 7:40
